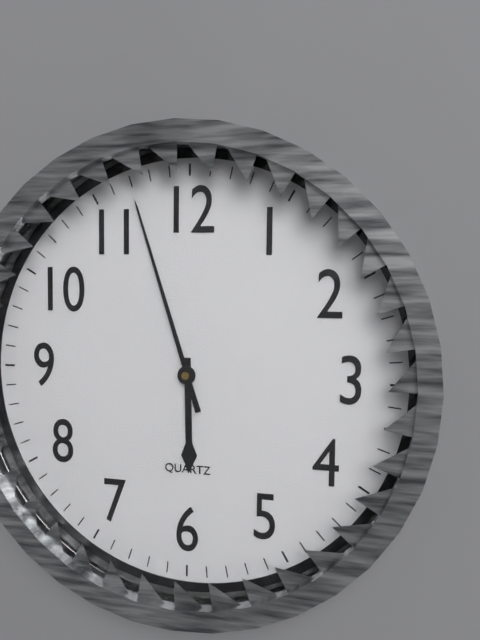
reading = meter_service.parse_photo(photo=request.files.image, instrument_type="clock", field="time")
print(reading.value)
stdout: 5:57
